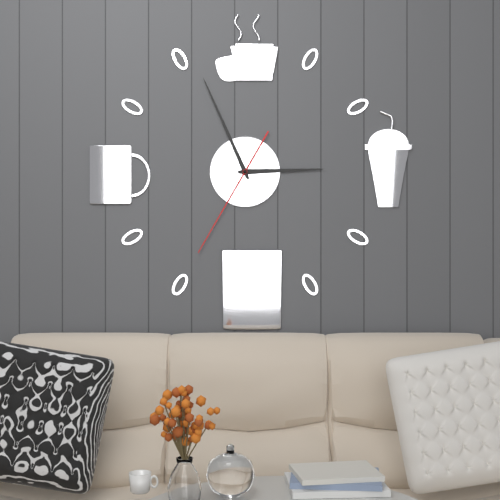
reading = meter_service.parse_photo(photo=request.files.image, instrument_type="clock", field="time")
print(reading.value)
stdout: 2:56:35
